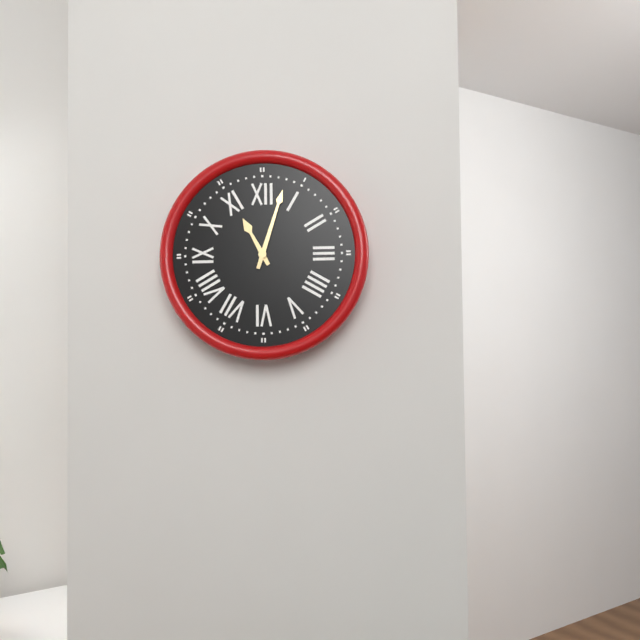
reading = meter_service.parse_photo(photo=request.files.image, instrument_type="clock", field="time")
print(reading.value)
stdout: 11:03
